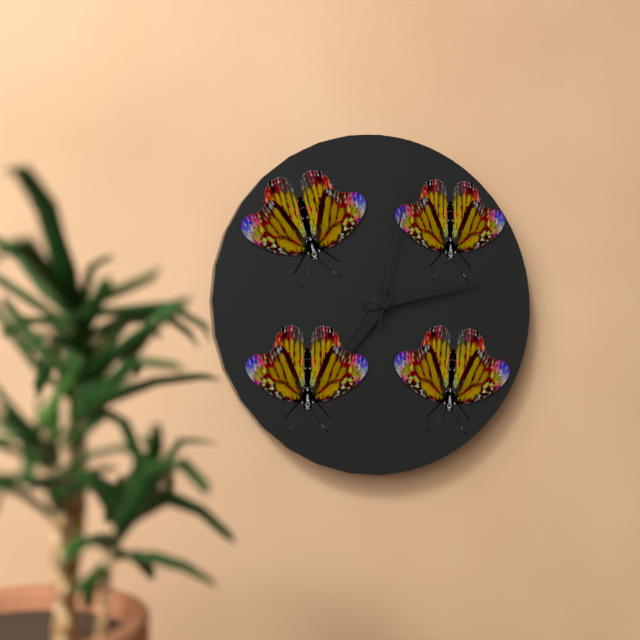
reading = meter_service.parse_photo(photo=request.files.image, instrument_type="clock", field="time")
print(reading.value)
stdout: 7:13:02
